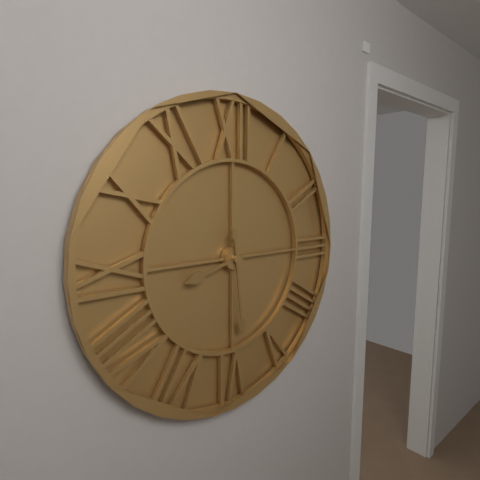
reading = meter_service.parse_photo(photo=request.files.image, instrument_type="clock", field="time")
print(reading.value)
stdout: 8:29
